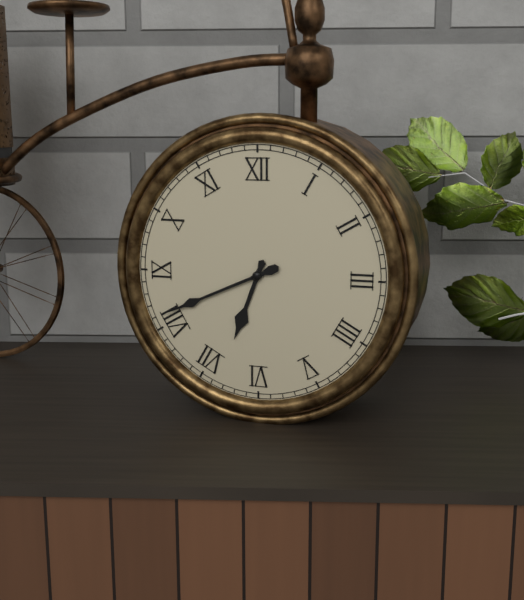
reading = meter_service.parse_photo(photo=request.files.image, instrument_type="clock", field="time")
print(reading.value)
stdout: 6:41
